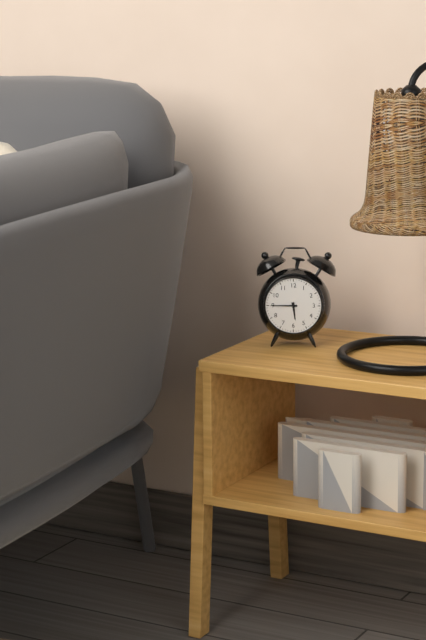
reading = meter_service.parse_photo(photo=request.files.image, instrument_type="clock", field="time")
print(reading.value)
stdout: 5:45
